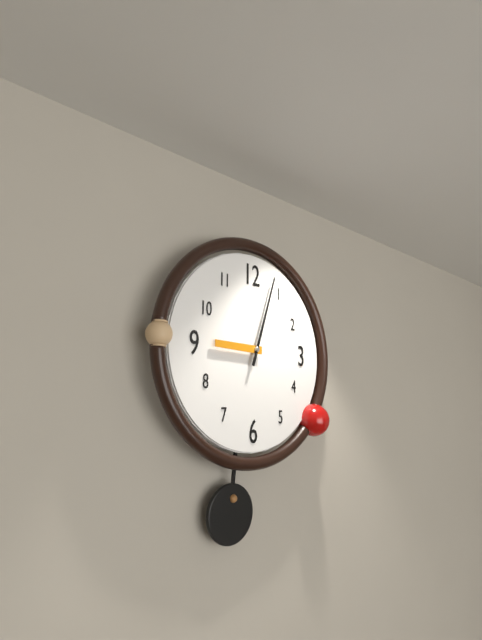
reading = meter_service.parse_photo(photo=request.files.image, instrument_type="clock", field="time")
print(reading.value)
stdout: 9:03
